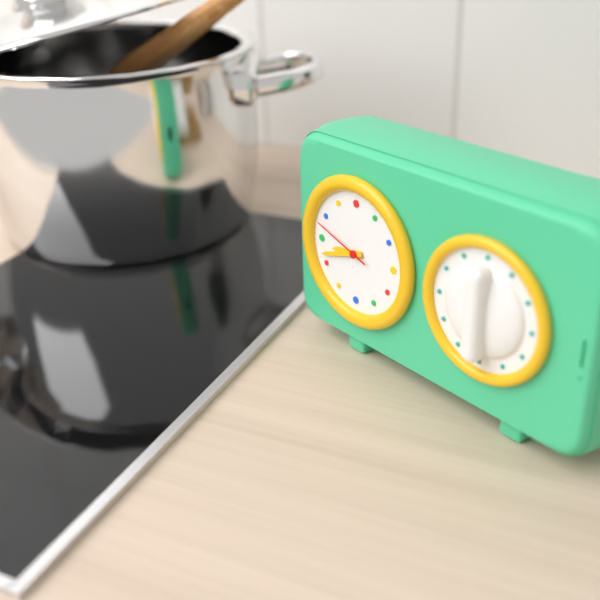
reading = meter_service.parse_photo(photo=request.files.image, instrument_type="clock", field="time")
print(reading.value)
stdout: 8:42:48
